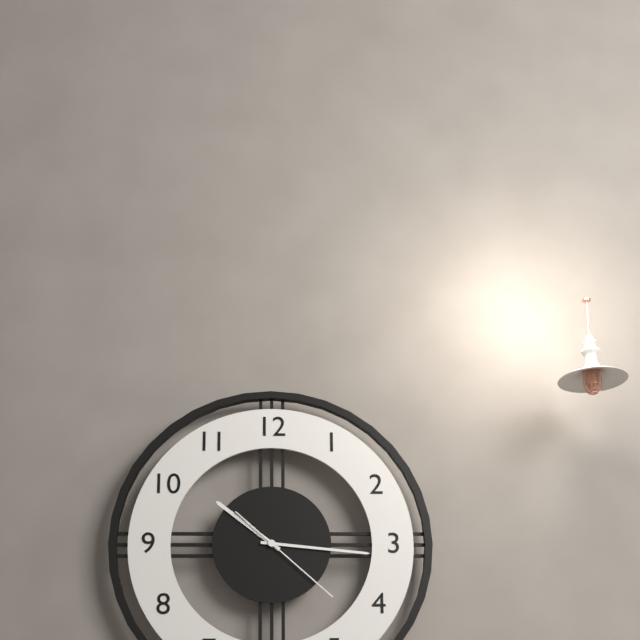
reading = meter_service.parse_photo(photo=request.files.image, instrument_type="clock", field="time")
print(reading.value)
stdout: 10:16:22
